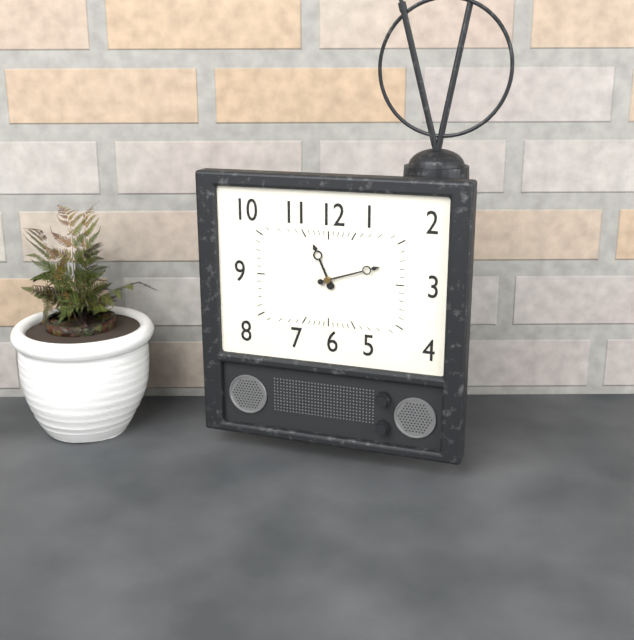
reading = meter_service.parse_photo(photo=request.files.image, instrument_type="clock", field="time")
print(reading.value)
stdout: 11:12
